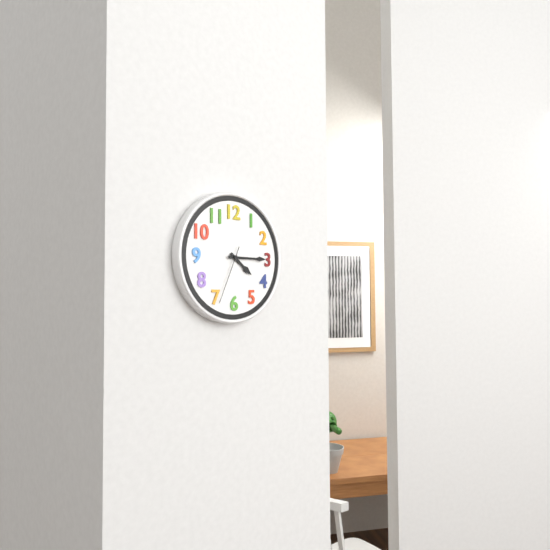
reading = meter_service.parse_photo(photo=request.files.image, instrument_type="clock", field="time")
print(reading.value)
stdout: 4:15:34
